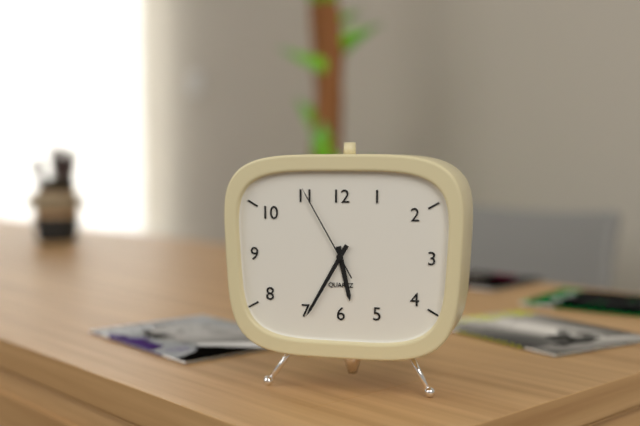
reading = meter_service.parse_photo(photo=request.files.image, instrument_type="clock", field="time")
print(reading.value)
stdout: 5:35:55
